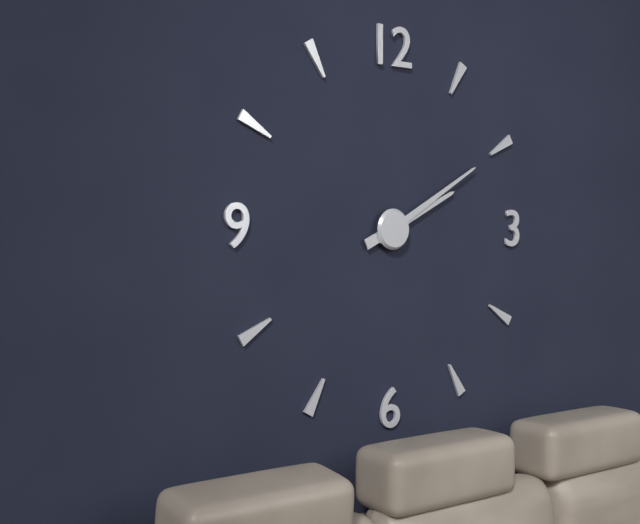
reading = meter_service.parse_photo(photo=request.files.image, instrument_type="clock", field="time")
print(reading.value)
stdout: 2:10
